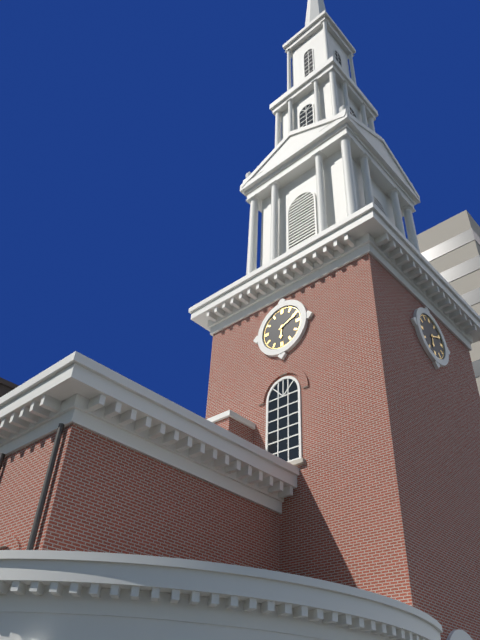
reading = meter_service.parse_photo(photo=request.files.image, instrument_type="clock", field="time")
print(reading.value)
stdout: 6:11
